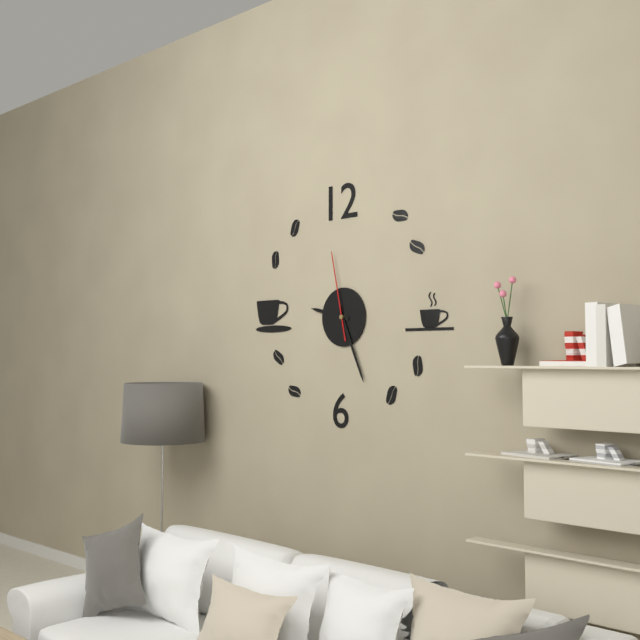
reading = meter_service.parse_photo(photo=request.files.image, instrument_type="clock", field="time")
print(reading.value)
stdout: 9:26:58
